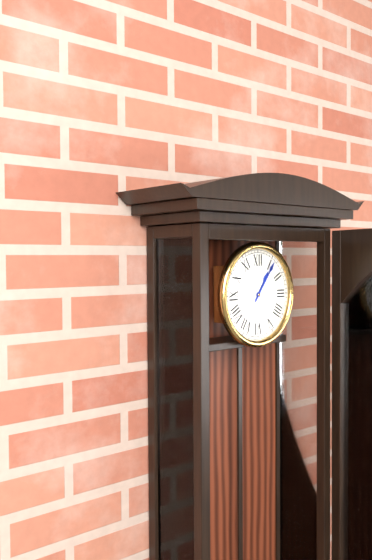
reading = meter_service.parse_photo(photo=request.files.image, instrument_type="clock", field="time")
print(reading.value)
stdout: 1:06
